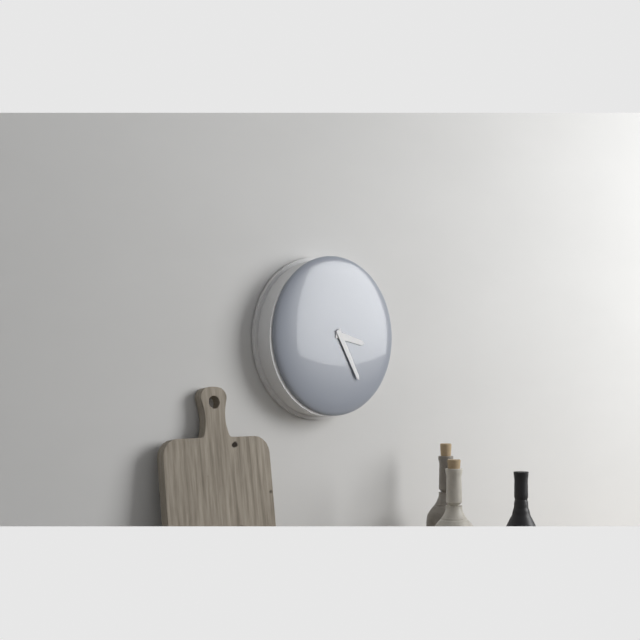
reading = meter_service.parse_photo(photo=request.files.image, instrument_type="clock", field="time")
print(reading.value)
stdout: 3:25
